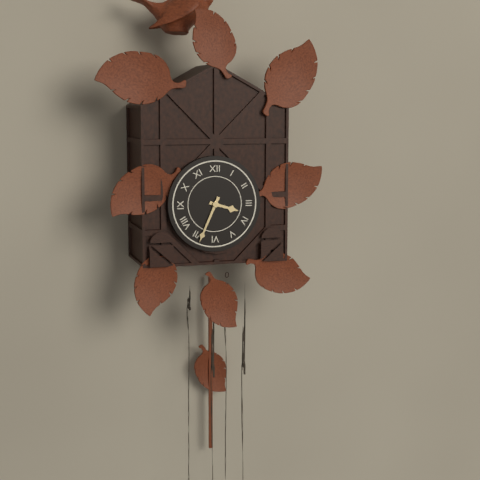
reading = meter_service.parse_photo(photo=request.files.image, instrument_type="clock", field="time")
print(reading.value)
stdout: 3:34
